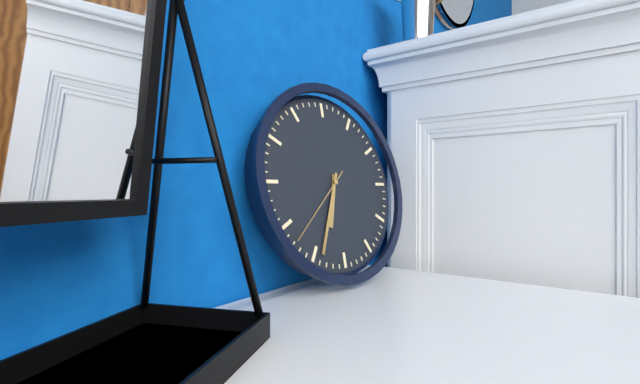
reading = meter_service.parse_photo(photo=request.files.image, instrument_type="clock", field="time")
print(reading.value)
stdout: 6:34:38
